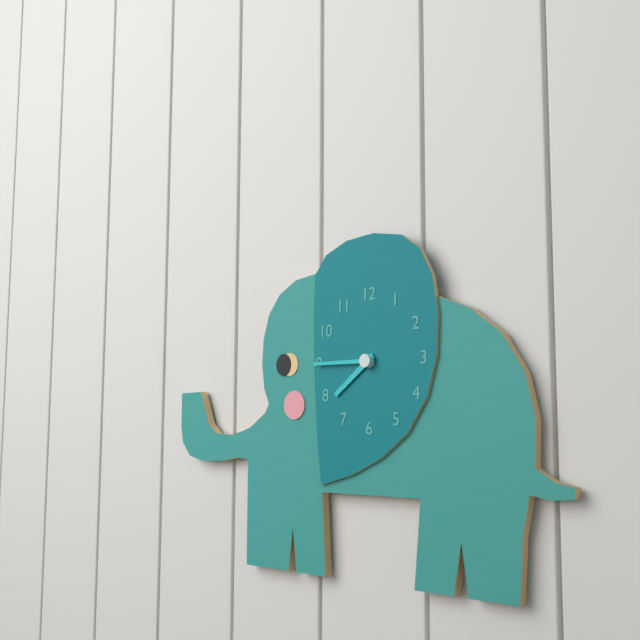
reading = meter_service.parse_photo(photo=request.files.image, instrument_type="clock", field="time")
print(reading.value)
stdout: 7:45
